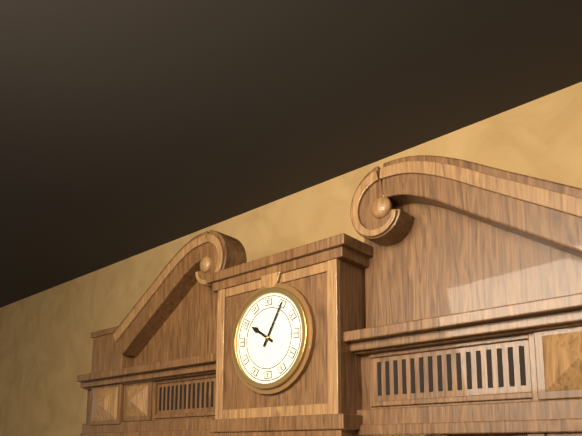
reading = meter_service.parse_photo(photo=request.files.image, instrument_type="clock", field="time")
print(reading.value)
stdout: 10:05
